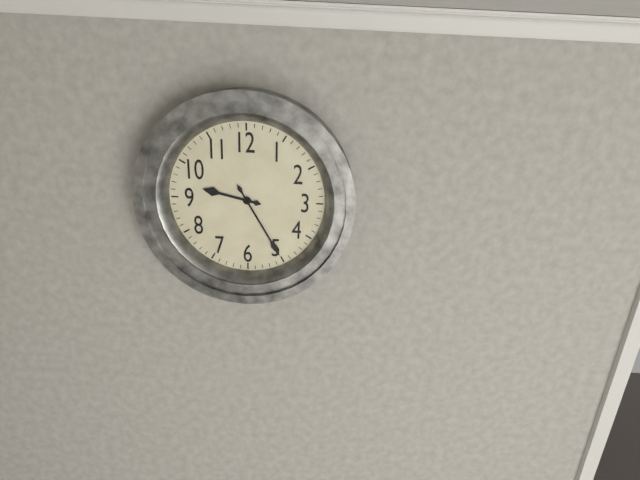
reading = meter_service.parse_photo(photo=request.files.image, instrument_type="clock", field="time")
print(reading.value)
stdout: 9:25
